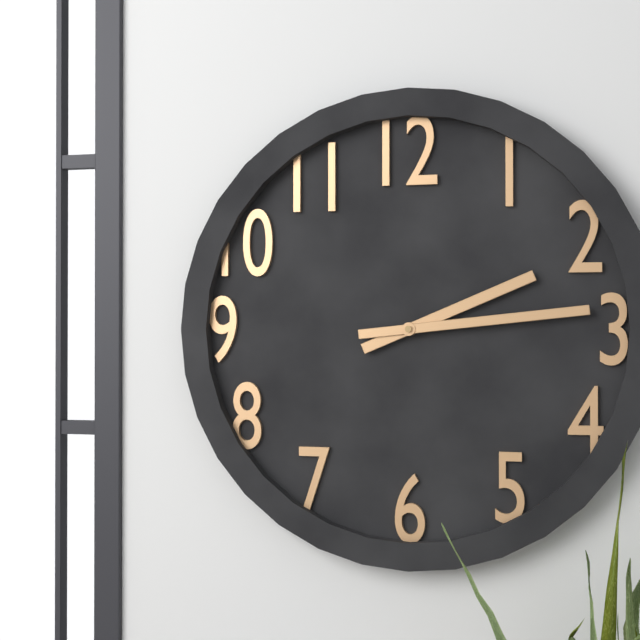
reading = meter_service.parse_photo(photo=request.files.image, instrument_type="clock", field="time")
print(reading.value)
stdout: 2:14
